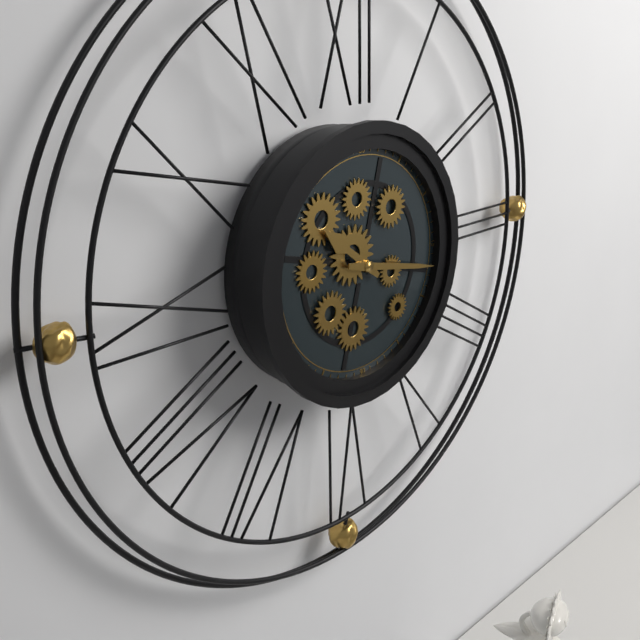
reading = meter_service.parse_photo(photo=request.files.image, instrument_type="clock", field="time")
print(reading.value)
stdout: 10:17
